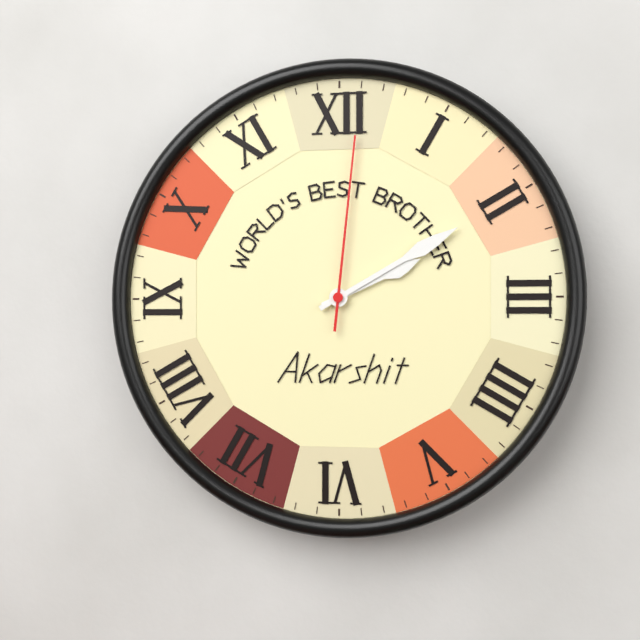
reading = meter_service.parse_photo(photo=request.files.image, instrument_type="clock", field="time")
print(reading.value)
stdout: 2:10:01
